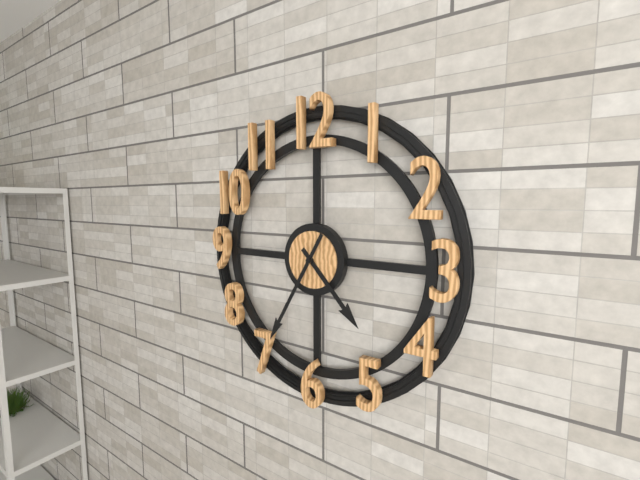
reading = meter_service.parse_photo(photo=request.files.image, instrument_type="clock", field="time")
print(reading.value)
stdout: 4:35
